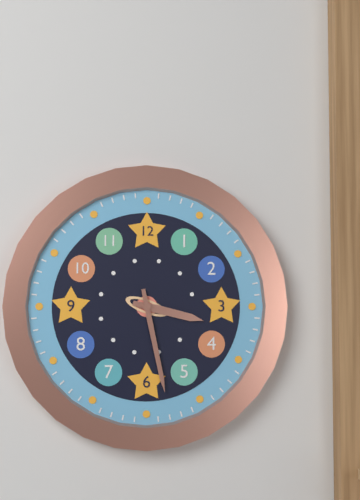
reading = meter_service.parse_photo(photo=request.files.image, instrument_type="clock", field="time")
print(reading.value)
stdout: 3:28
